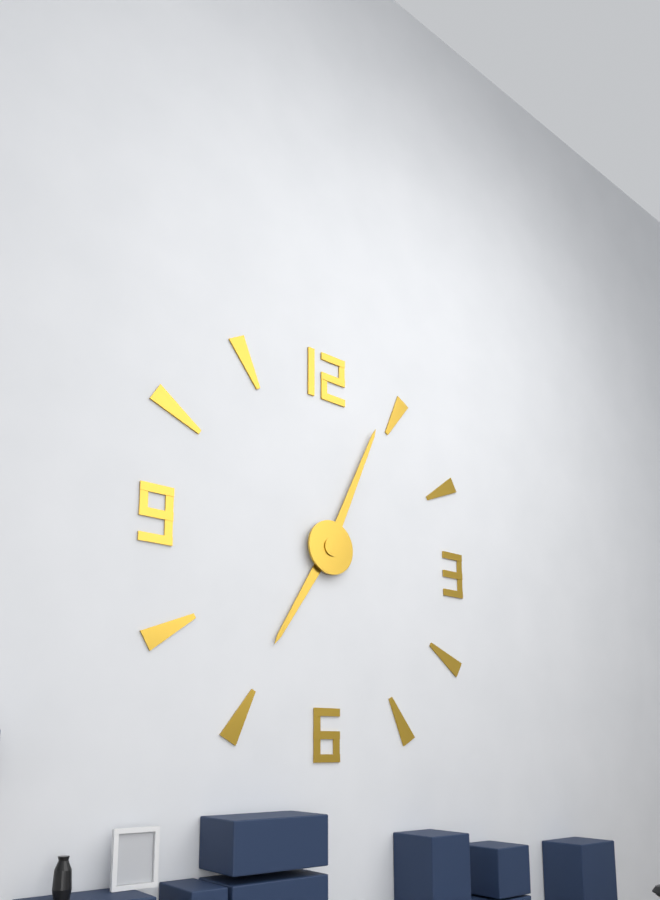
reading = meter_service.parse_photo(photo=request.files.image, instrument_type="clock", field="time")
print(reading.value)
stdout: 7:04
